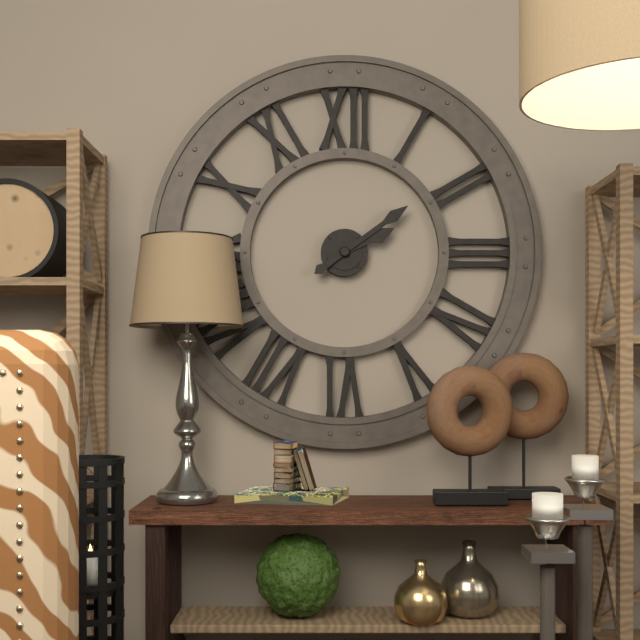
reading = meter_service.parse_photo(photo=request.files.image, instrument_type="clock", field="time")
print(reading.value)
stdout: 2:09
